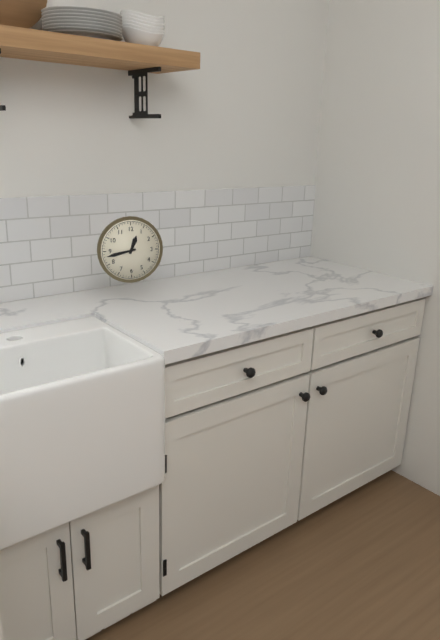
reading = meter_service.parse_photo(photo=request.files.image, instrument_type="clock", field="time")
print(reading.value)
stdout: 12:43
